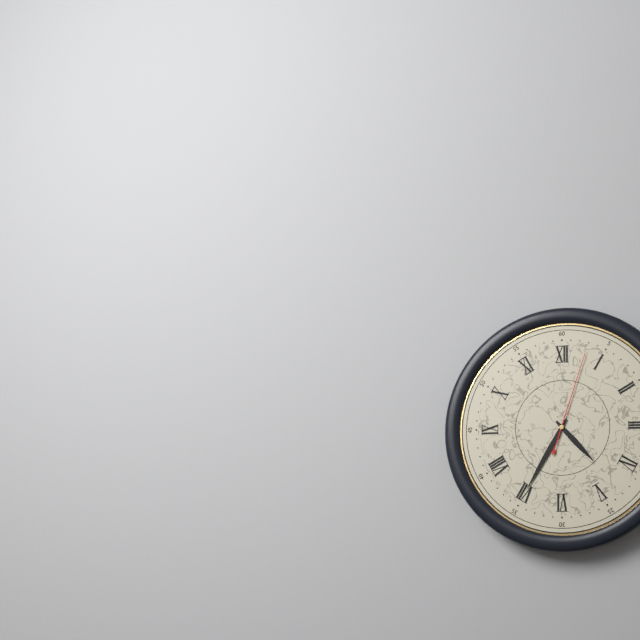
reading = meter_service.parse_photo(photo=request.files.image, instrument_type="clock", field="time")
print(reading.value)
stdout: 4:35:03
